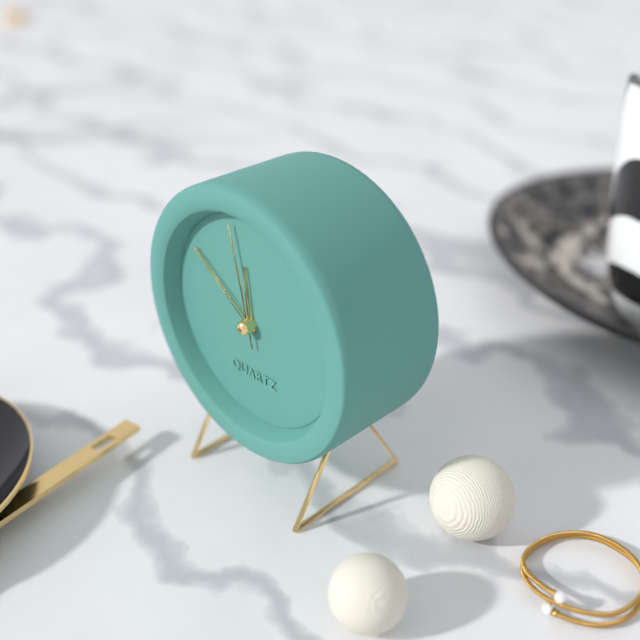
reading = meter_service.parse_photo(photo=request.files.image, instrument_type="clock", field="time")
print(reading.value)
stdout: 11:51:58
